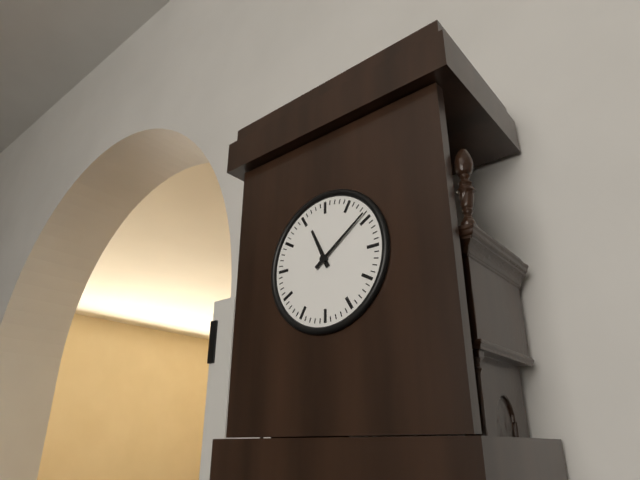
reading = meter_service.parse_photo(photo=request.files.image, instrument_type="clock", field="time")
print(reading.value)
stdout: 11:09
